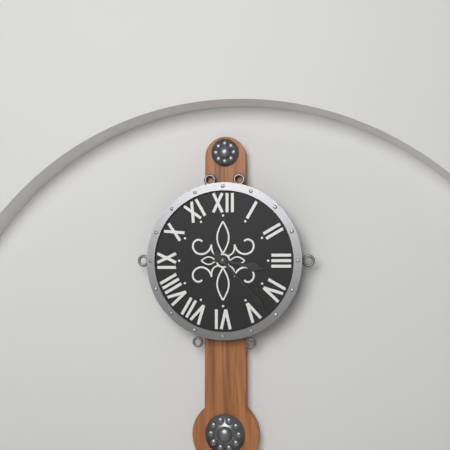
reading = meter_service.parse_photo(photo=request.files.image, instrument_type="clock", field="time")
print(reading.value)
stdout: 3:23
